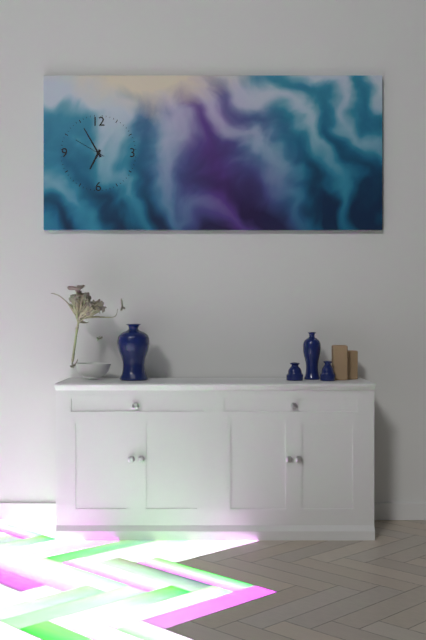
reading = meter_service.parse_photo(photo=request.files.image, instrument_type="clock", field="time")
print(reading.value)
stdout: 6:55
